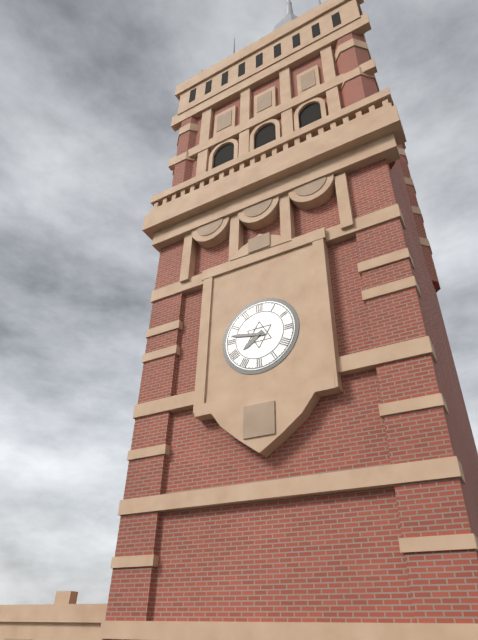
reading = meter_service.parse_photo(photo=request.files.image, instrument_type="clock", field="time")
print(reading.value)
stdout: 7:47
